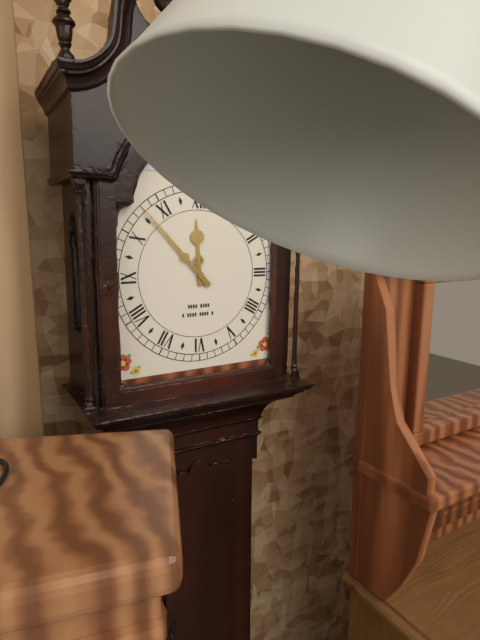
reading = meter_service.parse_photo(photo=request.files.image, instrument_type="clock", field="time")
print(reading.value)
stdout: 11:53
